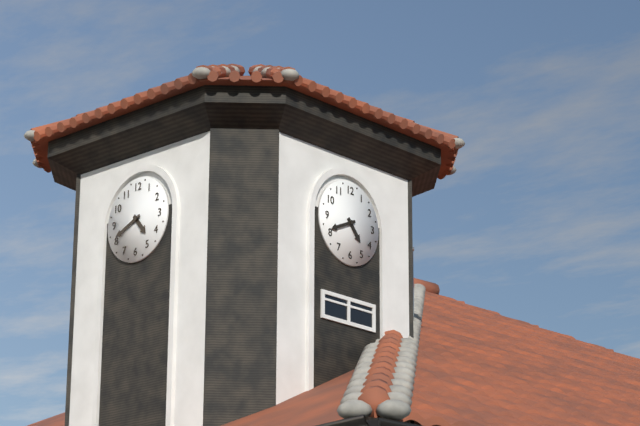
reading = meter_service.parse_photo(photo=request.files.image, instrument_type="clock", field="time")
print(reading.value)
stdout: 4:41
